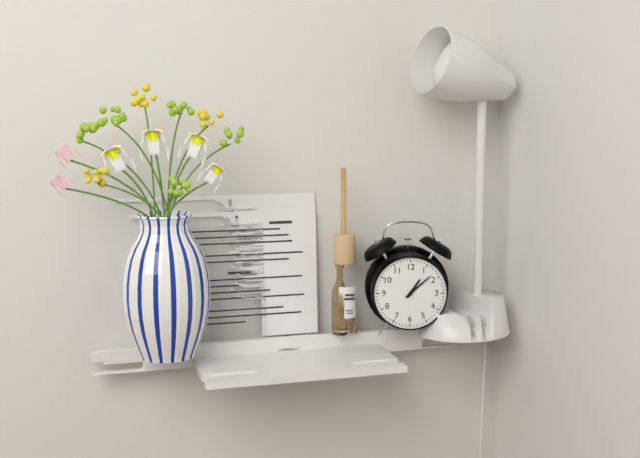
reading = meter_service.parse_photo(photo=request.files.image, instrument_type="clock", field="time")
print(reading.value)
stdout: 1:08
